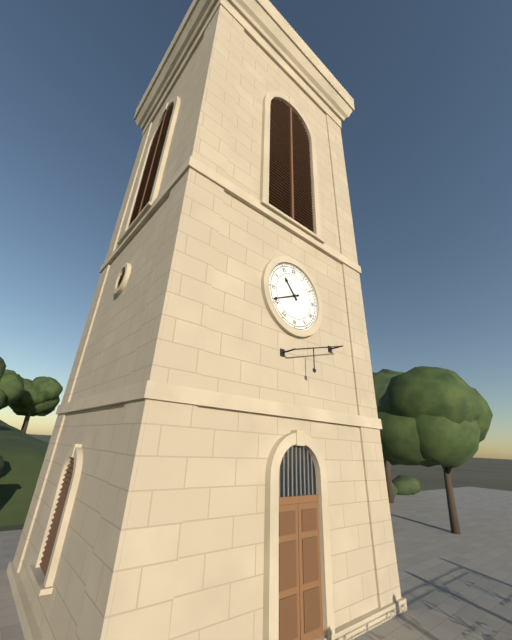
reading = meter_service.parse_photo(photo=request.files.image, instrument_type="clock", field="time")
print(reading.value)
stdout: 10:41
